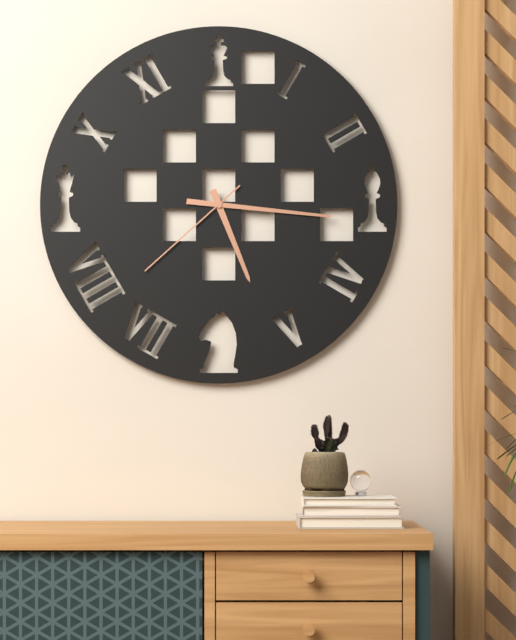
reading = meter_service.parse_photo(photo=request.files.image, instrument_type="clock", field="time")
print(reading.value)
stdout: 5:16:38
